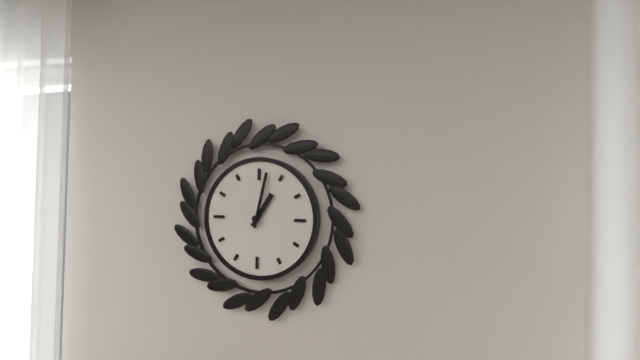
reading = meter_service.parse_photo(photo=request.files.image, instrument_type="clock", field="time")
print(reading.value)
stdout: 1:02
